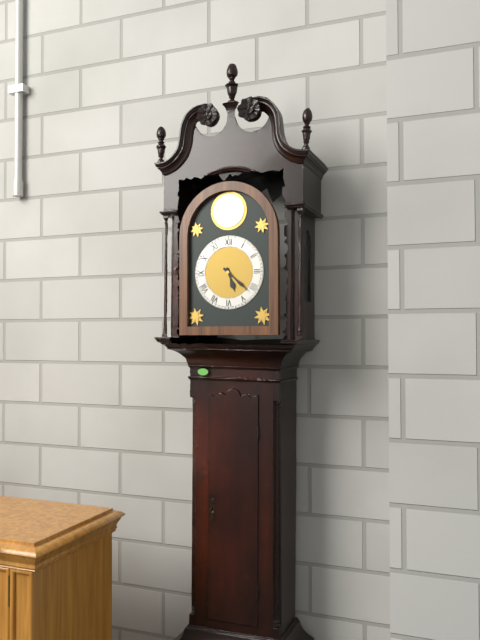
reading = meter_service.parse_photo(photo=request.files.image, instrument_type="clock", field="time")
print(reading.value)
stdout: 5:22
